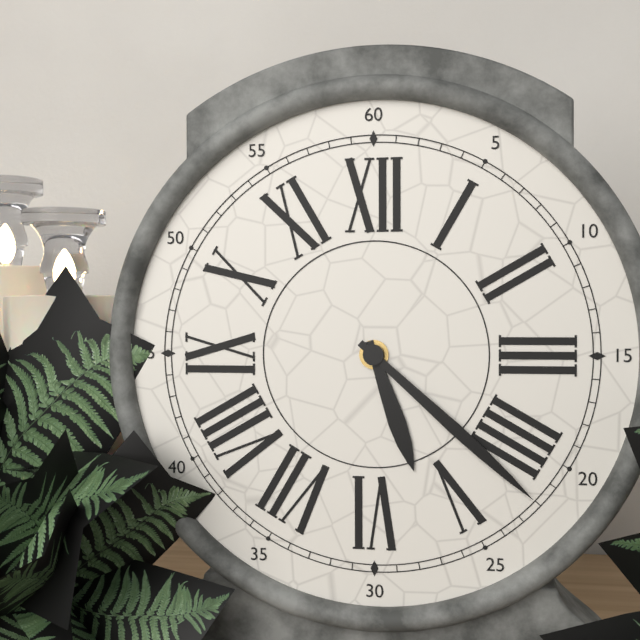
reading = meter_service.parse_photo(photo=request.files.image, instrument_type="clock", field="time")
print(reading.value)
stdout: 5:22
